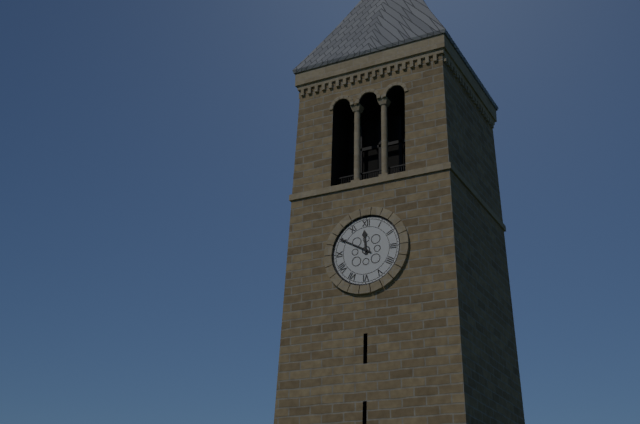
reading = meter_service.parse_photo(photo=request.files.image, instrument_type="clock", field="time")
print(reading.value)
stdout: 11:50
